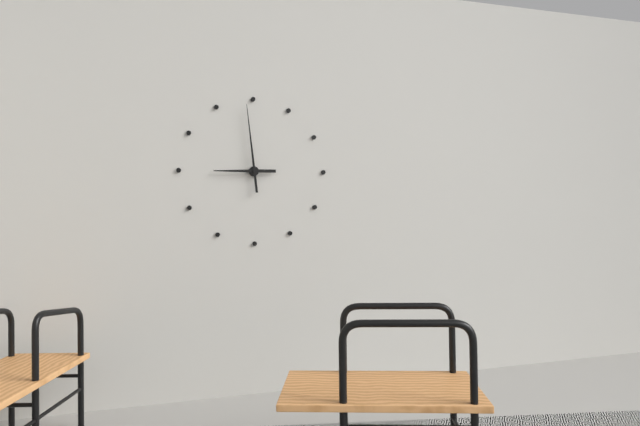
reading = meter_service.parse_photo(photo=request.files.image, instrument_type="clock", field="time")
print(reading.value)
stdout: 8:59
